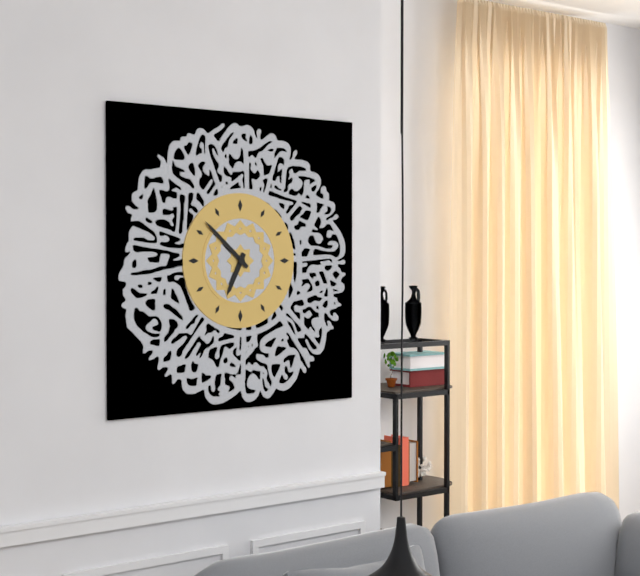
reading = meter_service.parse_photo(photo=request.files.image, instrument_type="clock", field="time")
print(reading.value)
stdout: 6:52
